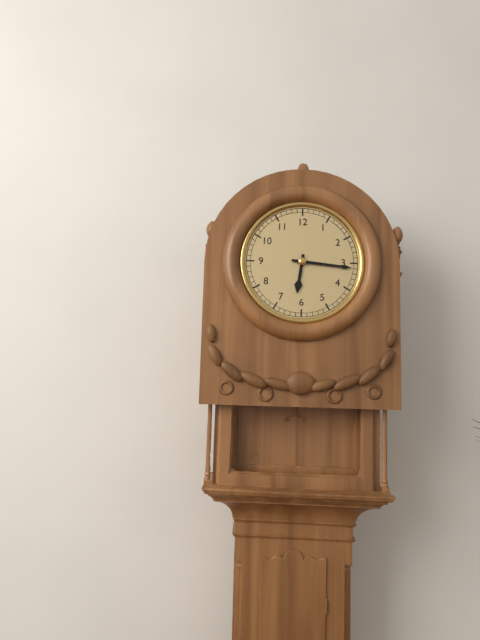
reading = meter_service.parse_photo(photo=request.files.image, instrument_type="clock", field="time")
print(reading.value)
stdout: 6:16
